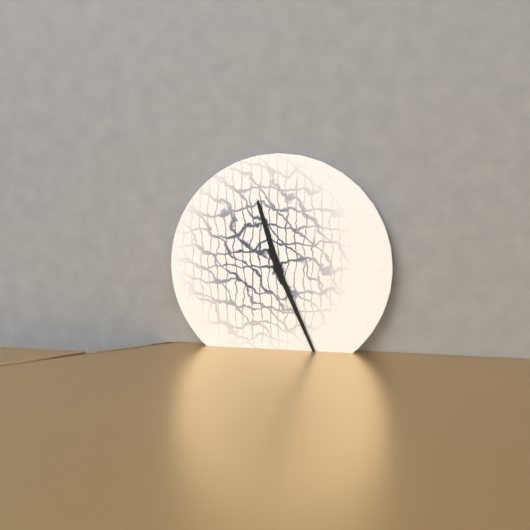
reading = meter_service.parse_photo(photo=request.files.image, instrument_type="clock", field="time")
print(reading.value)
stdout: 11:26
